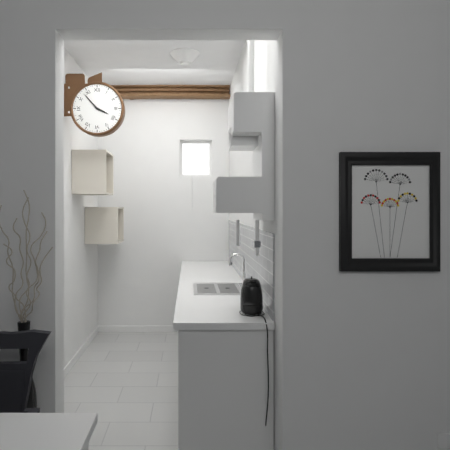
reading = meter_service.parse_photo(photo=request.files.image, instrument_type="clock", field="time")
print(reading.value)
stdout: 3:53
